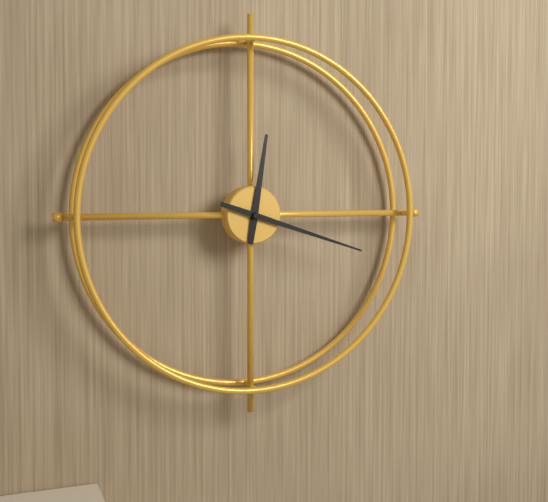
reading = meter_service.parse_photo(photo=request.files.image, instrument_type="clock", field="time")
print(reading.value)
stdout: 12:18
